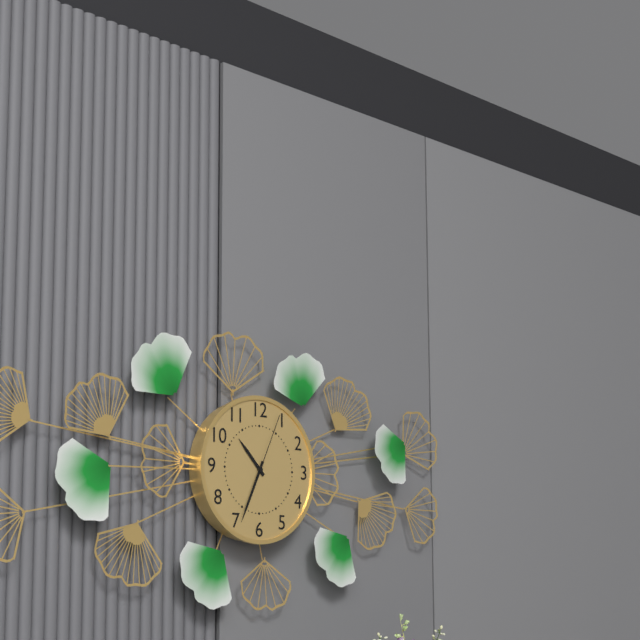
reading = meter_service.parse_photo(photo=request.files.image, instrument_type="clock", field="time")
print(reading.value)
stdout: 10:34:04
